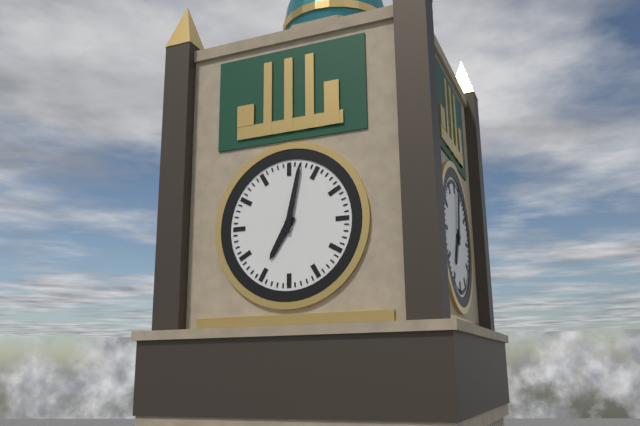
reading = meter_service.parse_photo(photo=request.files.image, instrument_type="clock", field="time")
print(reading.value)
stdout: 7:02
